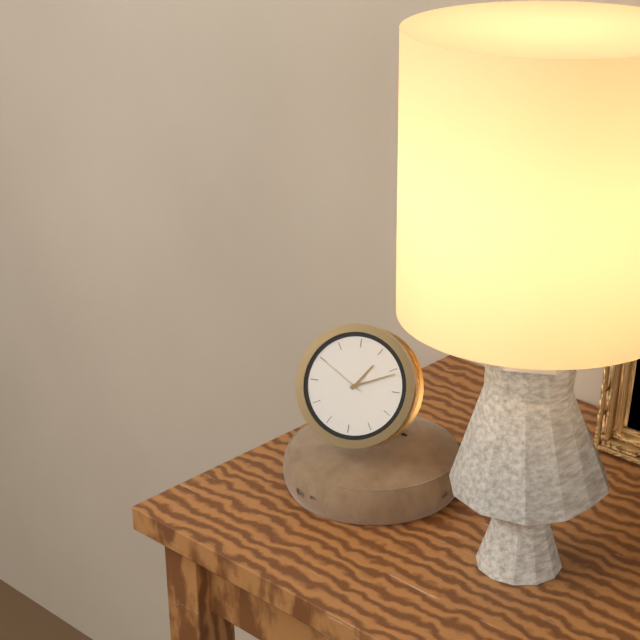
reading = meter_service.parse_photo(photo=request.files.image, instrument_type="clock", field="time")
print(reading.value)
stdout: 1:11:50
